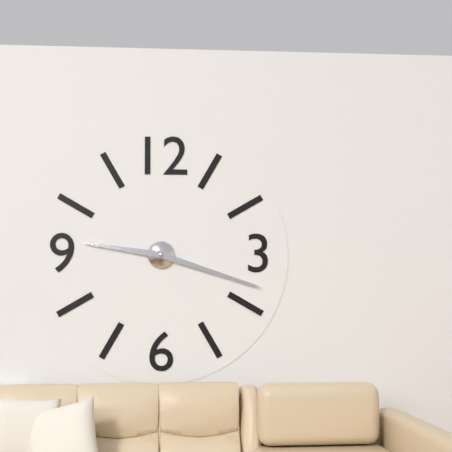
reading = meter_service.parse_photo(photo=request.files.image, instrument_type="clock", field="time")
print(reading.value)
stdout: 9:18
